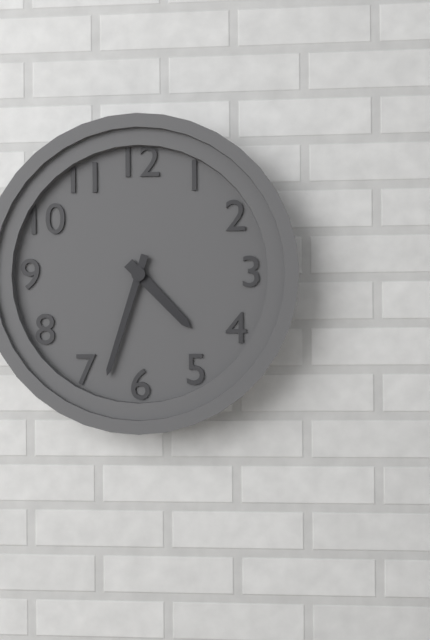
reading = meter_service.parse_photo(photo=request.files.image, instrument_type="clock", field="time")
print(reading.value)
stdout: 4:33
